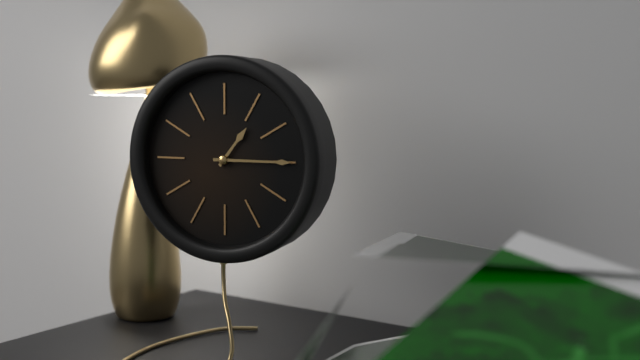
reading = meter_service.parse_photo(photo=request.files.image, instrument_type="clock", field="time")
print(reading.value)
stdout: 1:15
